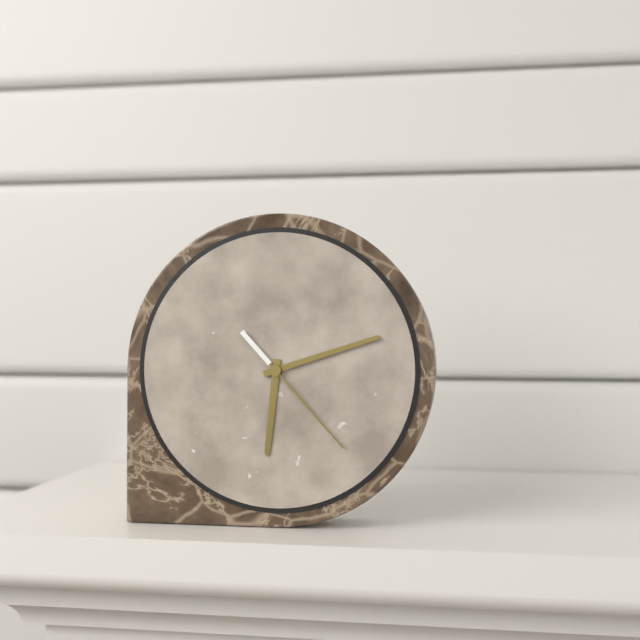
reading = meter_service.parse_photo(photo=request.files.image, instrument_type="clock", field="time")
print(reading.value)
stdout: 6:12:23
